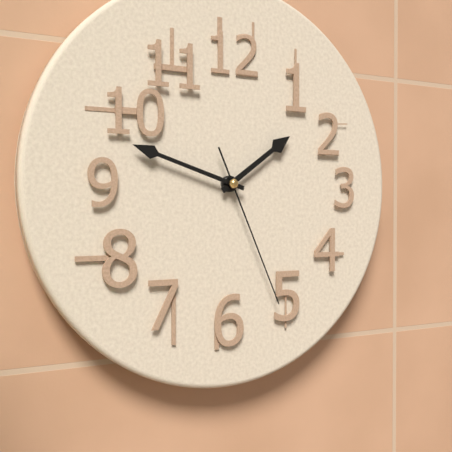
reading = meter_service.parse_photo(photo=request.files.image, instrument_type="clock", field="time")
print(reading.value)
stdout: 1:48:26
